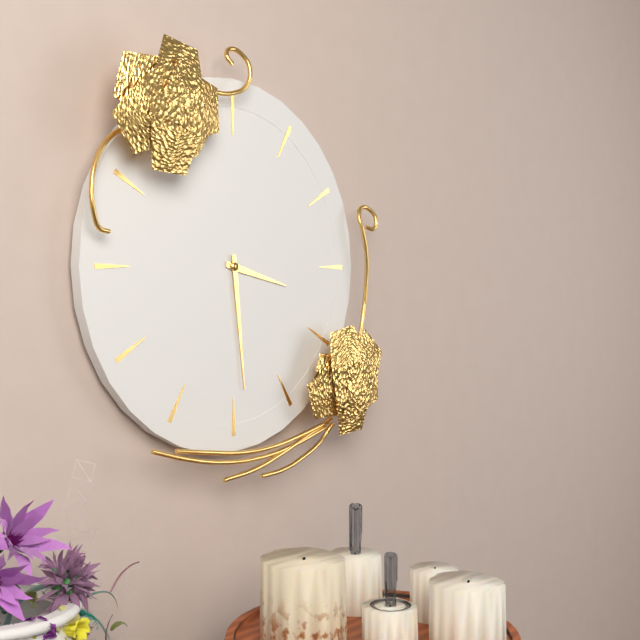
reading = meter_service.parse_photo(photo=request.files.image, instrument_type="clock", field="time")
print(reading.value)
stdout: 3:29
